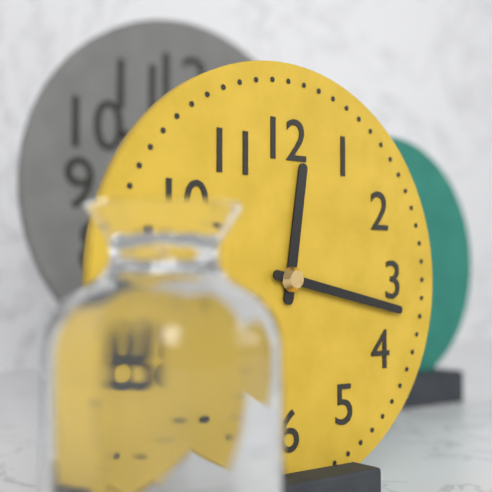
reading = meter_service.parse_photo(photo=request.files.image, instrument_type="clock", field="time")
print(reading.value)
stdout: 12:17
